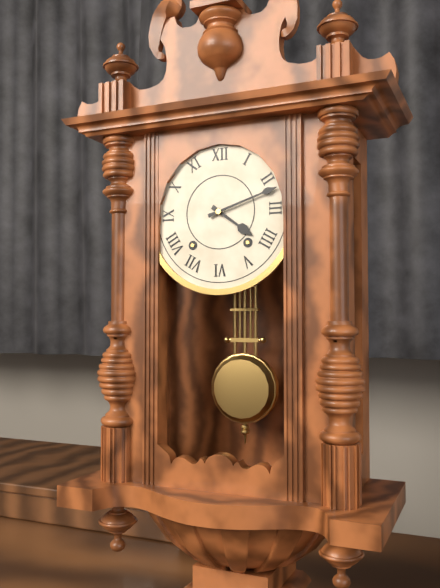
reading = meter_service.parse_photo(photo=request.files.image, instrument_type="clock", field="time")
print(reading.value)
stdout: 4:12
